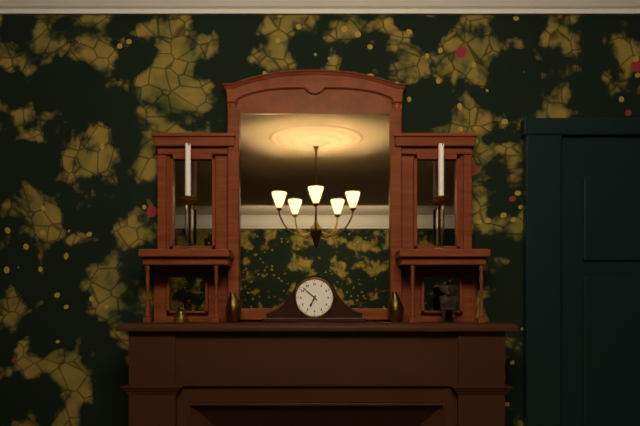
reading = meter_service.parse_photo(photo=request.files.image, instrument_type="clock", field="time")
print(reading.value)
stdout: 6:52
